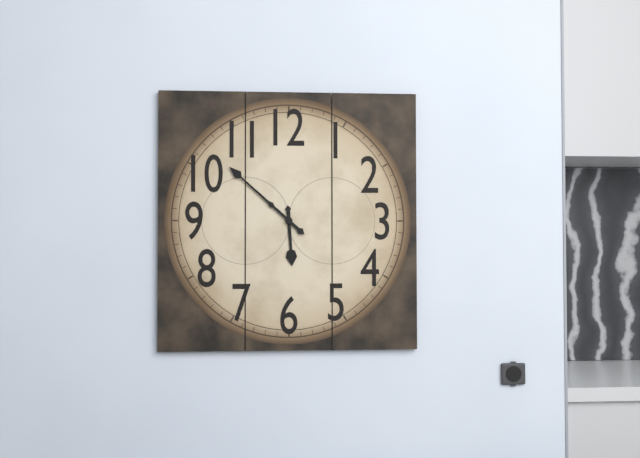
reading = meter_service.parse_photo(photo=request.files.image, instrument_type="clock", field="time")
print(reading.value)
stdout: 5:52
